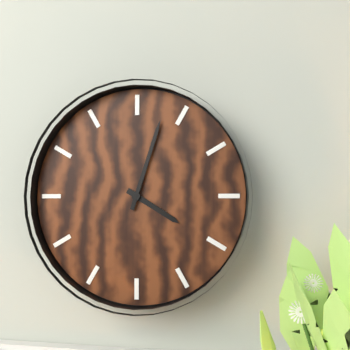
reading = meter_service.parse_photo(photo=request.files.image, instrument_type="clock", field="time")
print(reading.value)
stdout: 4:03
